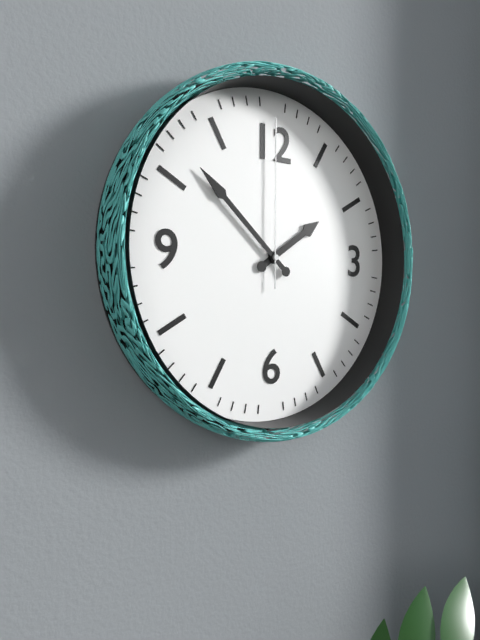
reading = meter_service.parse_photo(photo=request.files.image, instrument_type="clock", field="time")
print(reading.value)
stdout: 1:52:00
